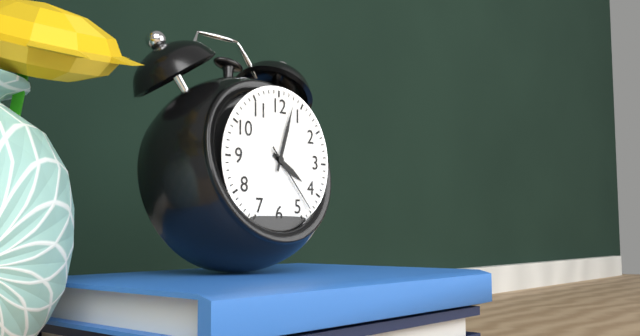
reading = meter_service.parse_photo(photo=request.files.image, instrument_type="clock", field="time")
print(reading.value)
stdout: 4:03:23
